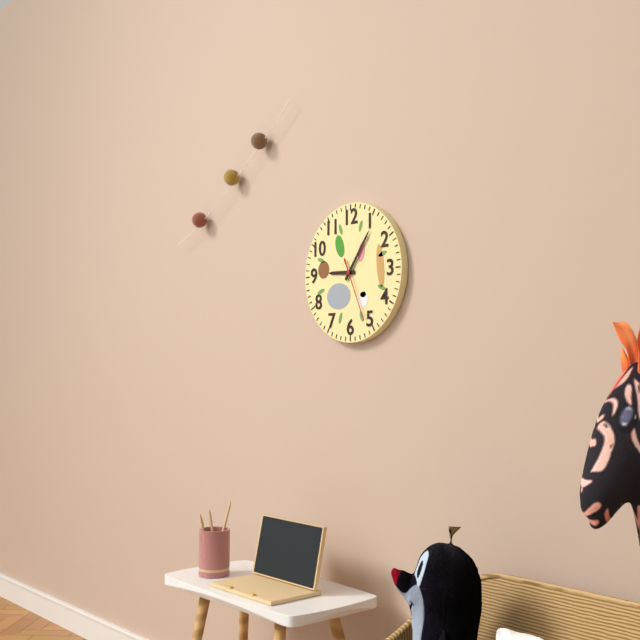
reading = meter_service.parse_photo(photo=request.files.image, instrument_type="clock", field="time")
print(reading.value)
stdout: 9:06:26
